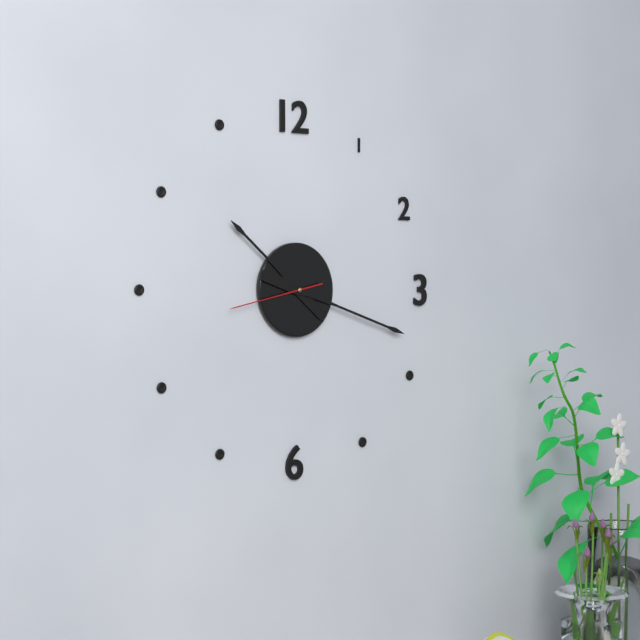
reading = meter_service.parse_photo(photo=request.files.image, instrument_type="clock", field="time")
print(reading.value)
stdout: 10:18:43
